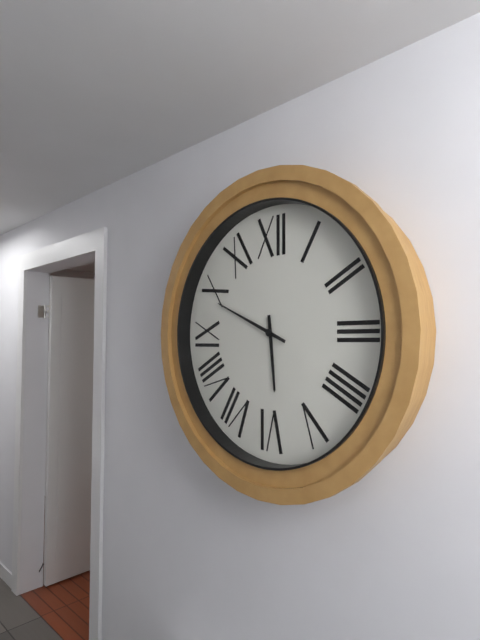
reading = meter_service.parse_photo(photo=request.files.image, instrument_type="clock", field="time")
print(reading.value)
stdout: 5:49
